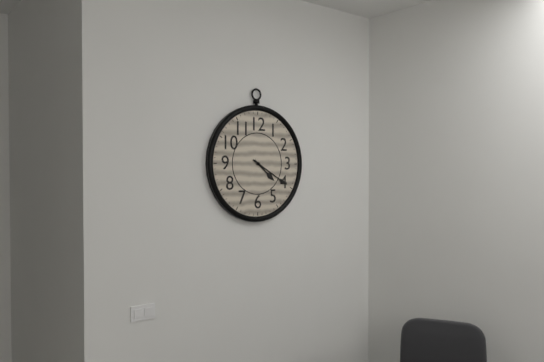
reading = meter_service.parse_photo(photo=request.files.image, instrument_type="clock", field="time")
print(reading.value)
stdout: 4:20
